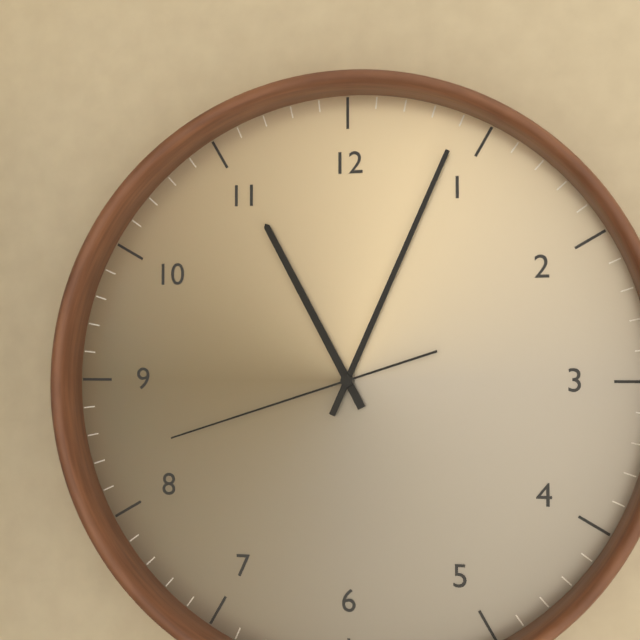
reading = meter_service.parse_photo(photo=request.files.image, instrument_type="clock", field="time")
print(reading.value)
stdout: 11:04:42
